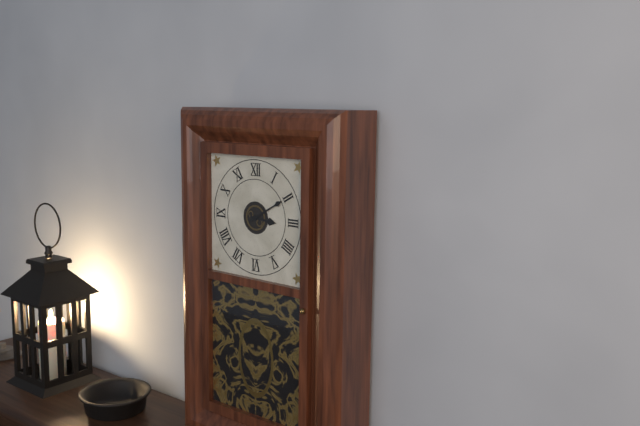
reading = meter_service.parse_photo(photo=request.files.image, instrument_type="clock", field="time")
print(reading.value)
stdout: 3:10
